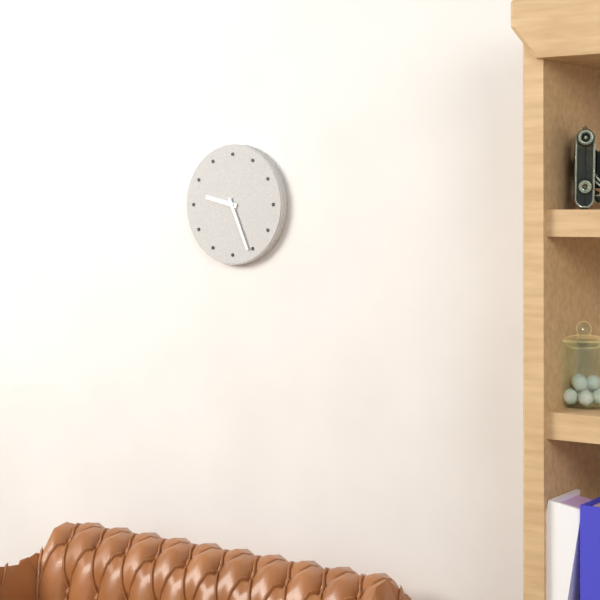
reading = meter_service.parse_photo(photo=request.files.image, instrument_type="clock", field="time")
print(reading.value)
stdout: 9:26
